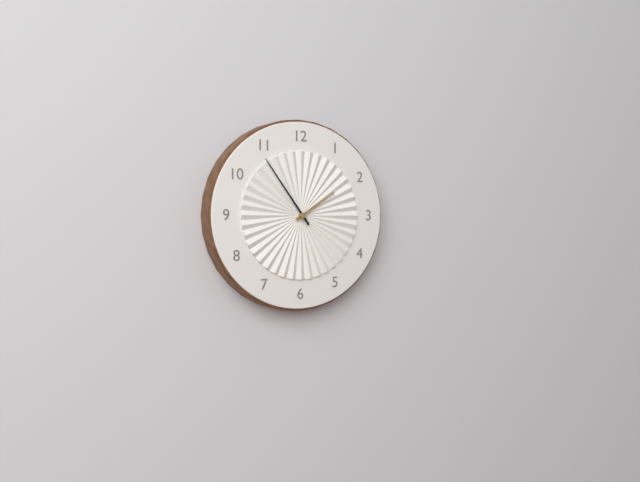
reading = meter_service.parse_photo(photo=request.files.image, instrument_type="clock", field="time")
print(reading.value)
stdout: 1:54
